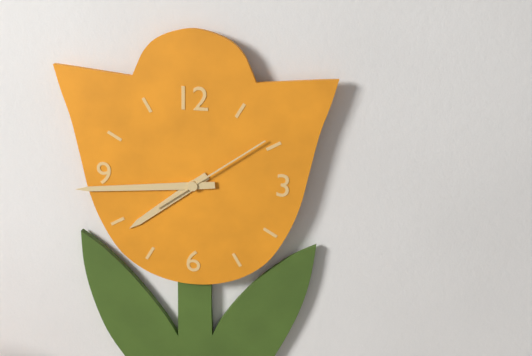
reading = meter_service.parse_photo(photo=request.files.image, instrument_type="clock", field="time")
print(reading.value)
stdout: 7:44:09
